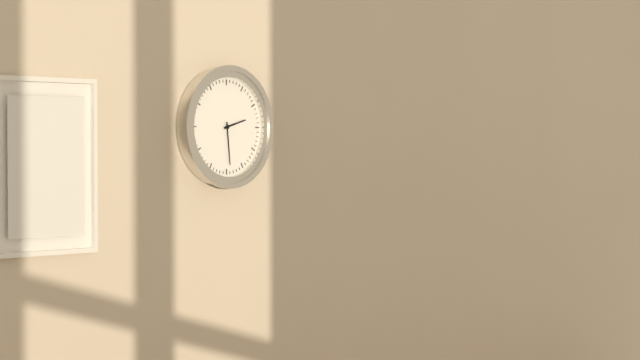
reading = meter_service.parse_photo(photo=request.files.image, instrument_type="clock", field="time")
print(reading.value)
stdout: 2:29
